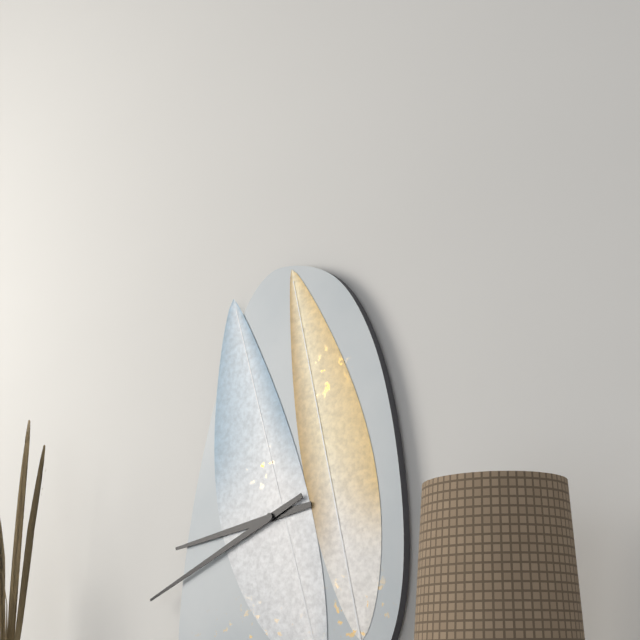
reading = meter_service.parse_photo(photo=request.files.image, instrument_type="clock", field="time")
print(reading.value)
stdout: 8:41
